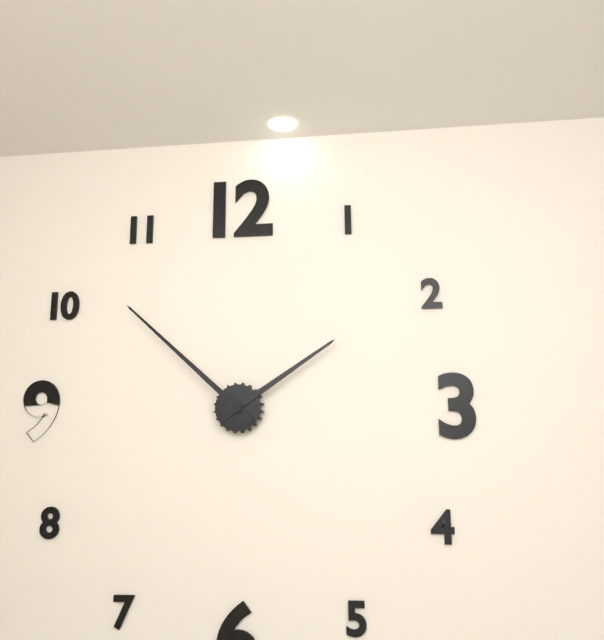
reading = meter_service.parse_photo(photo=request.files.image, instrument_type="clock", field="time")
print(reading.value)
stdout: 1:52
